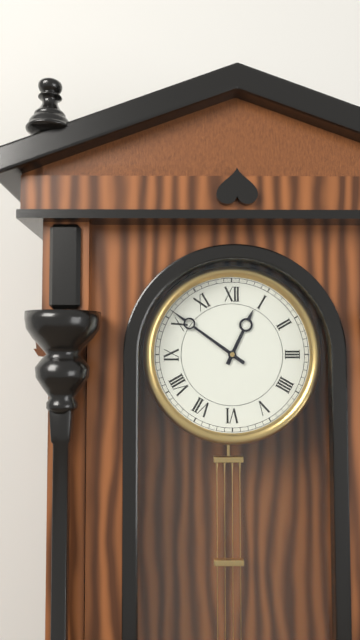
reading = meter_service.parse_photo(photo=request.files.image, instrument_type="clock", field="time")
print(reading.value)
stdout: 12:51
